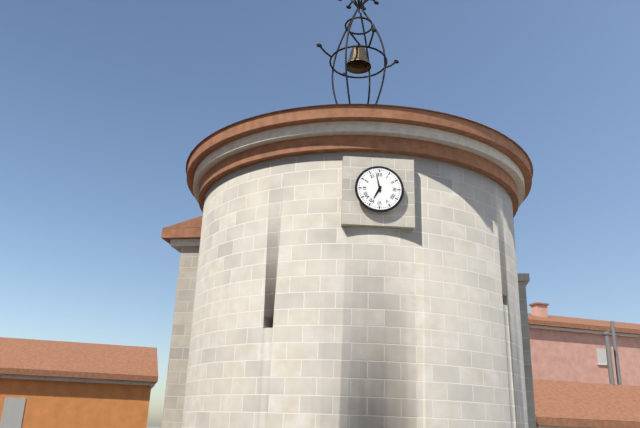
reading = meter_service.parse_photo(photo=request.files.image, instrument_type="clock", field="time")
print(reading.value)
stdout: 6:58
